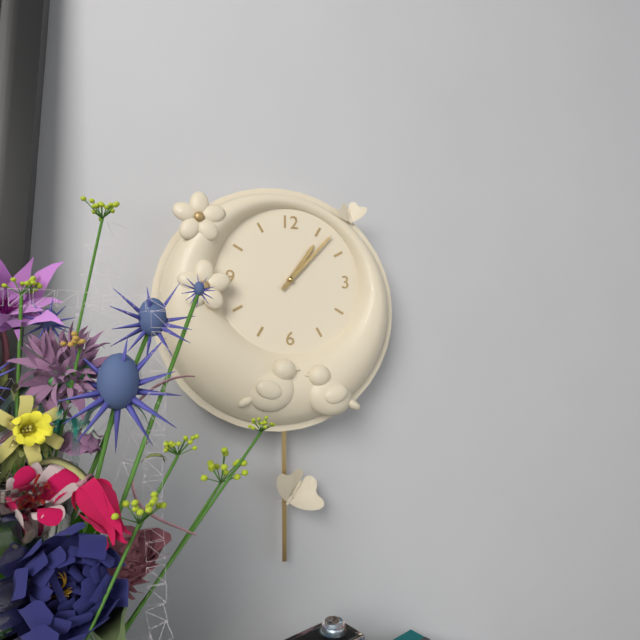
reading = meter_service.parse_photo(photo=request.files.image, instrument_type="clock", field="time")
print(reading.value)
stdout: 1:07
